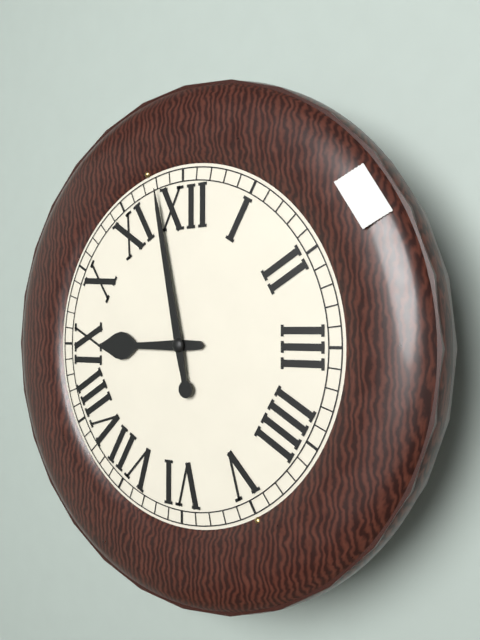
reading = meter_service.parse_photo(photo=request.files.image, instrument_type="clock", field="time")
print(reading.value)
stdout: 8:58
